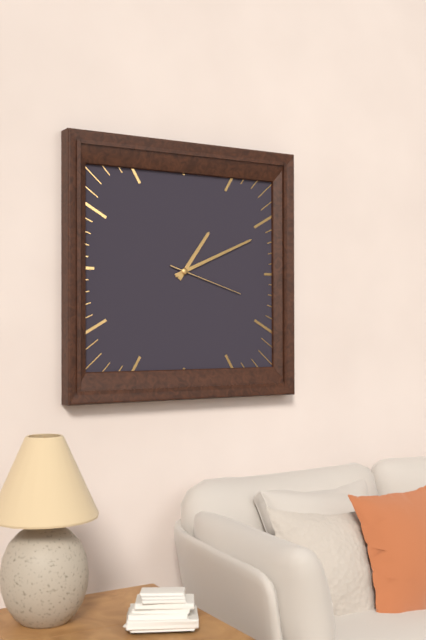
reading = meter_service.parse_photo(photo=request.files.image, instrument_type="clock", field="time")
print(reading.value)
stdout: 1:11:18
